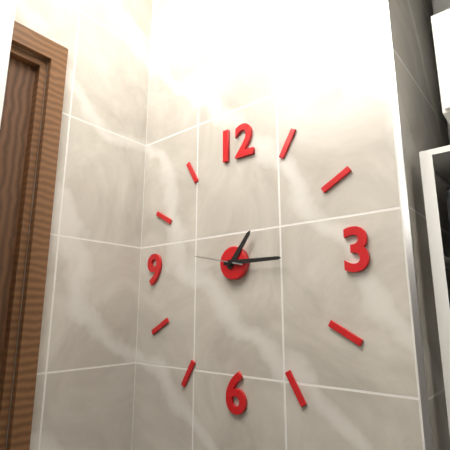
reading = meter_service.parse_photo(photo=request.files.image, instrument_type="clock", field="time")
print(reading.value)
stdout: 1:15
